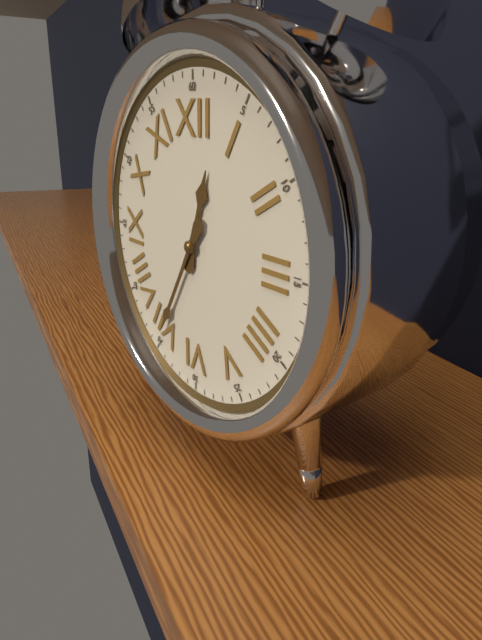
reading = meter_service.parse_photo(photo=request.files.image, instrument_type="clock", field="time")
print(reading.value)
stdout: 12:35
